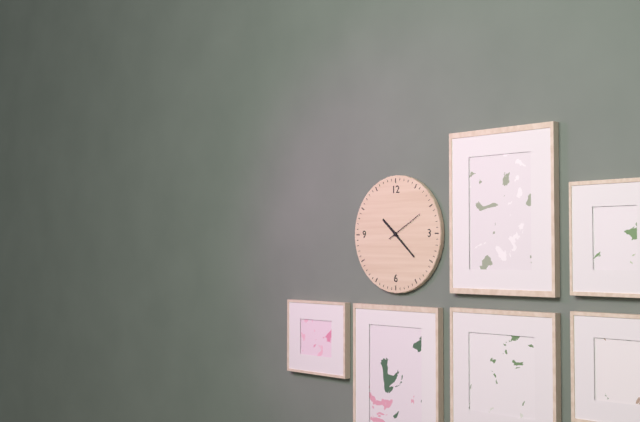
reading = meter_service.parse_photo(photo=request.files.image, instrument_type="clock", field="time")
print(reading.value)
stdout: 10:22
